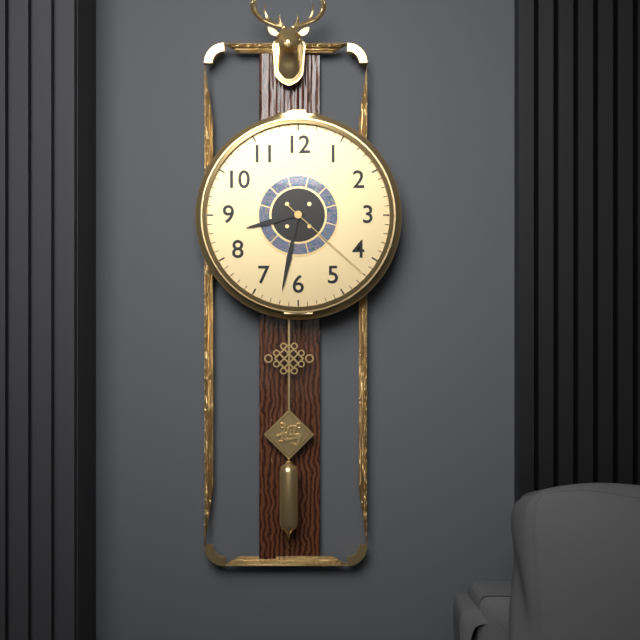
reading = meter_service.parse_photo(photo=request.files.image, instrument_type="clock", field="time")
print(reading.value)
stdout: 8:32:22
